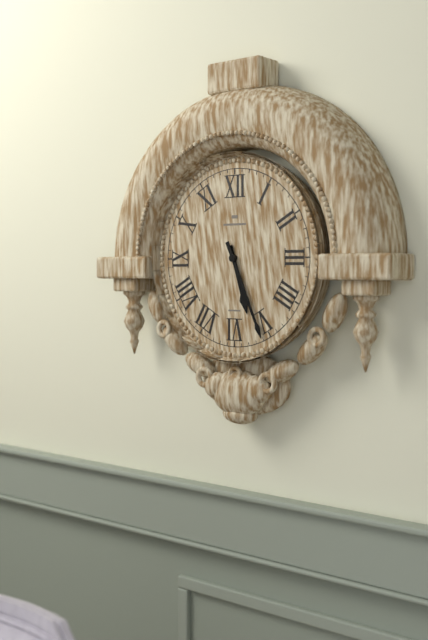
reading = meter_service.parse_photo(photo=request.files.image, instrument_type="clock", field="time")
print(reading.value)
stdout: 5:26
